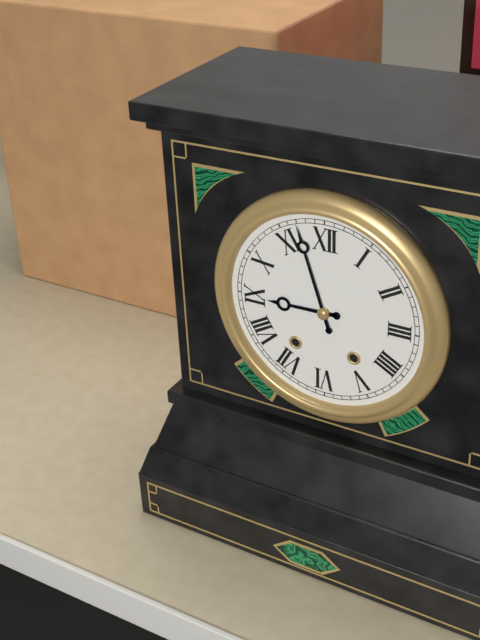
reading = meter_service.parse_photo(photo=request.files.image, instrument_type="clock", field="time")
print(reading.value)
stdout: 8:57
